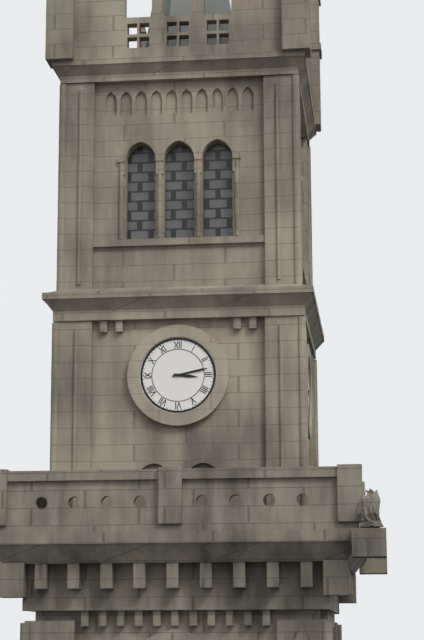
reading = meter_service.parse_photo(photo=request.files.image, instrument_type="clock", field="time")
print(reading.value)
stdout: 3:13
